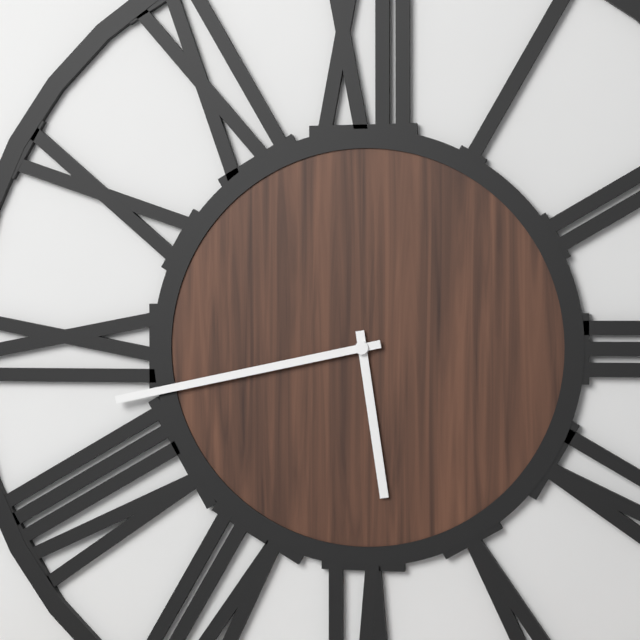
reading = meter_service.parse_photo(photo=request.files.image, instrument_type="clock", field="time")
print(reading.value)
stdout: 5:43
